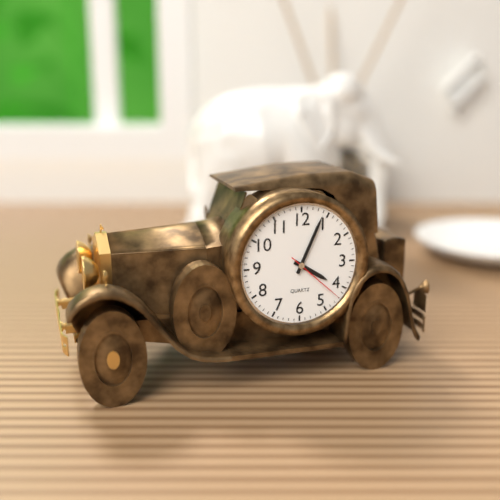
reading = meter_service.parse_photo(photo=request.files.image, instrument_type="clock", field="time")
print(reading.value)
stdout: 4:04:22
